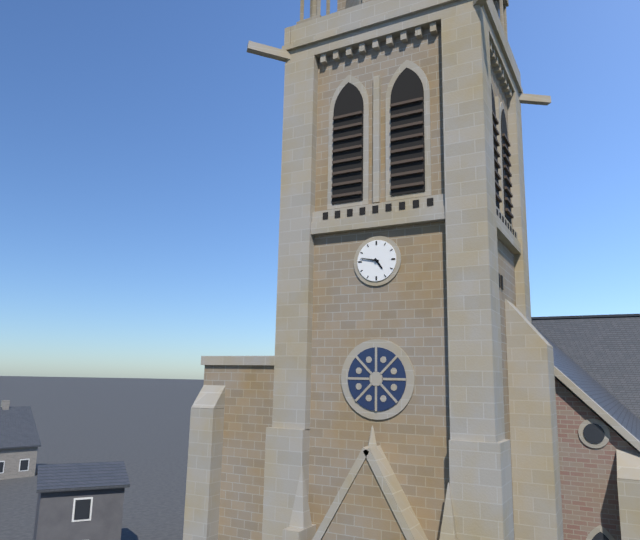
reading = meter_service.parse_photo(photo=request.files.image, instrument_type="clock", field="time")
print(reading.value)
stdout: 4:47
